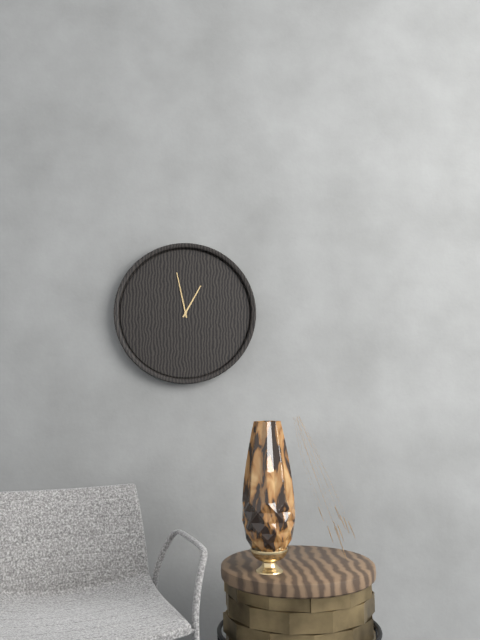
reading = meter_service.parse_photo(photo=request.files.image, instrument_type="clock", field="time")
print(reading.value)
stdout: 12:58
